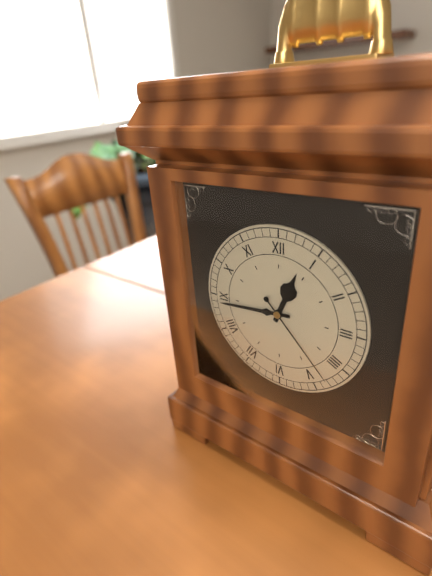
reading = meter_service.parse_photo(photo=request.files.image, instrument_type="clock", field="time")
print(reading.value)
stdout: 12:44:23
